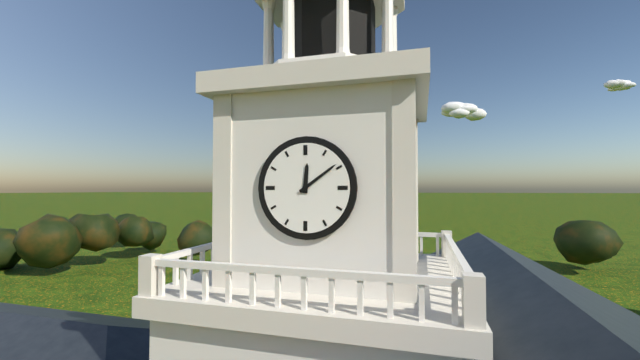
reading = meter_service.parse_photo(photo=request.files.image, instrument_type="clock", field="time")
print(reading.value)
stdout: 12:09
